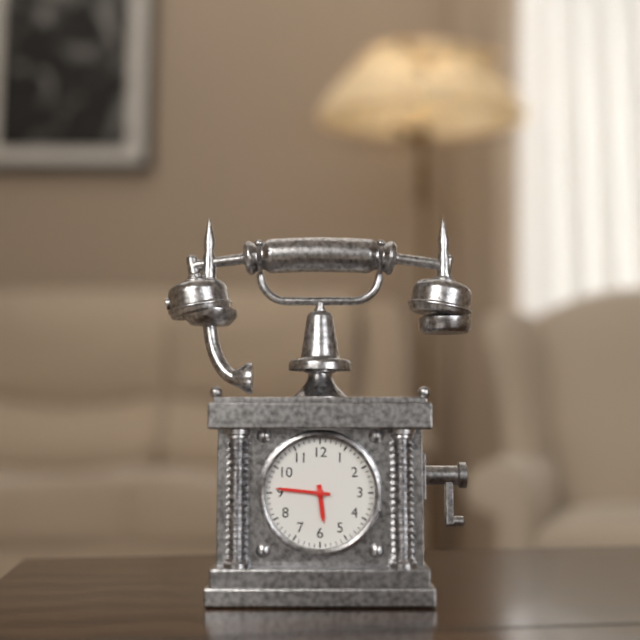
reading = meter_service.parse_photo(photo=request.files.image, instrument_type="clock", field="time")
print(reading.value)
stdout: 5:46
